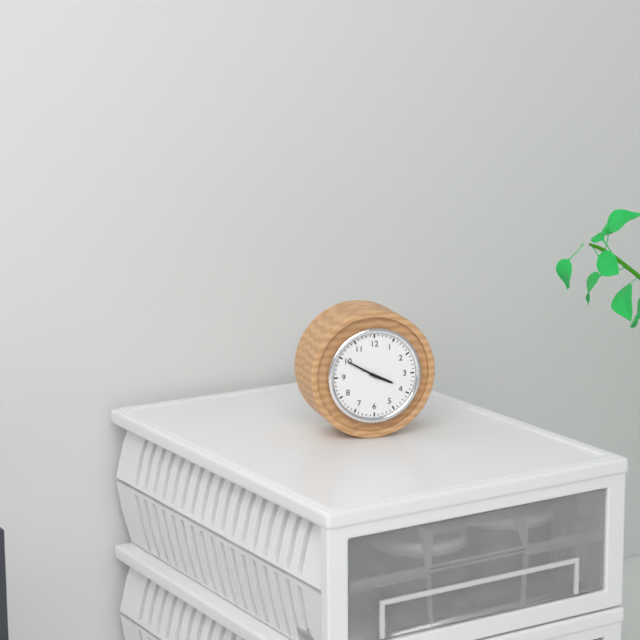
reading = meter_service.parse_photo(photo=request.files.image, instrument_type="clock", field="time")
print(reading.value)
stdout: 3:50
